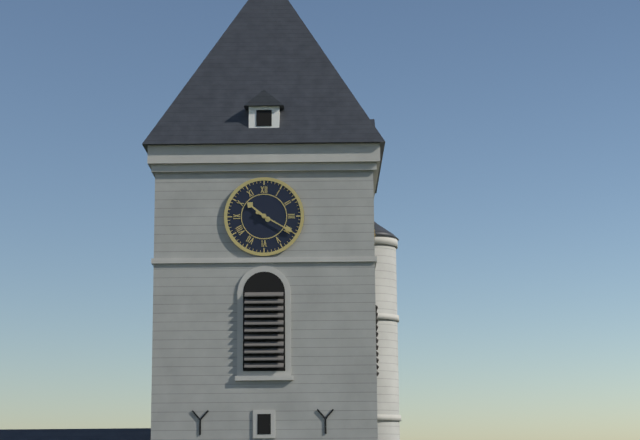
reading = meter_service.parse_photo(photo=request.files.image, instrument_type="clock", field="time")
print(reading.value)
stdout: 10:20
